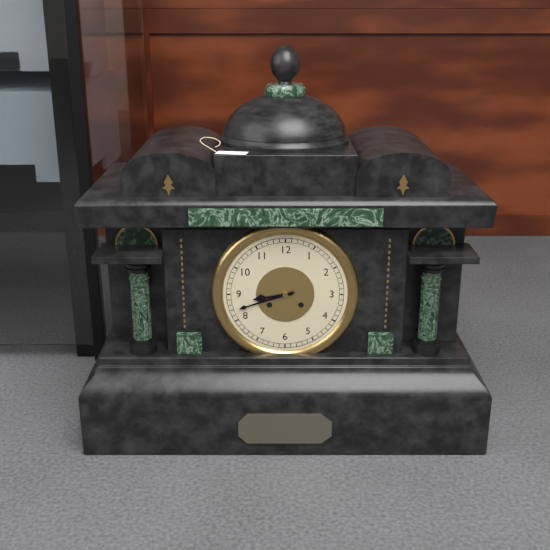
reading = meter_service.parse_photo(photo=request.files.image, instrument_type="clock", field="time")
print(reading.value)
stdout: 8:42
